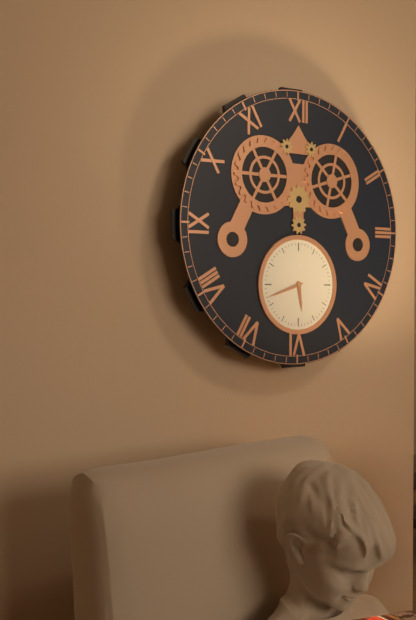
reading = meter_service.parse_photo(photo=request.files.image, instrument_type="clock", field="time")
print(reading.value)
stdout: 5:42
